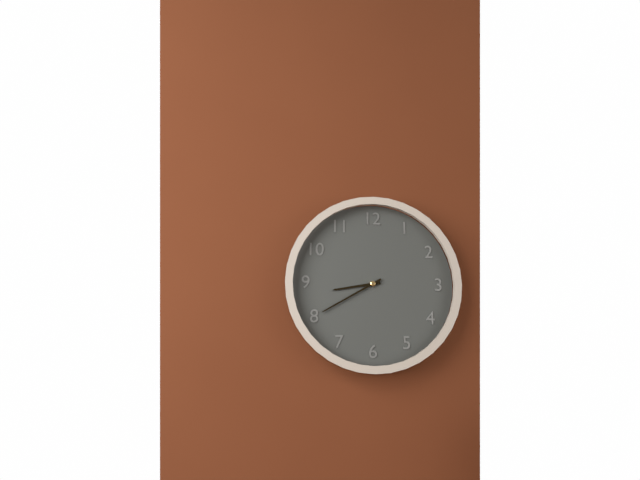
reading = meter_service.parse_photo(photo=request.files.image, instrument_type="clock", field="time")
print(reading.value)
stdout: 8:40
